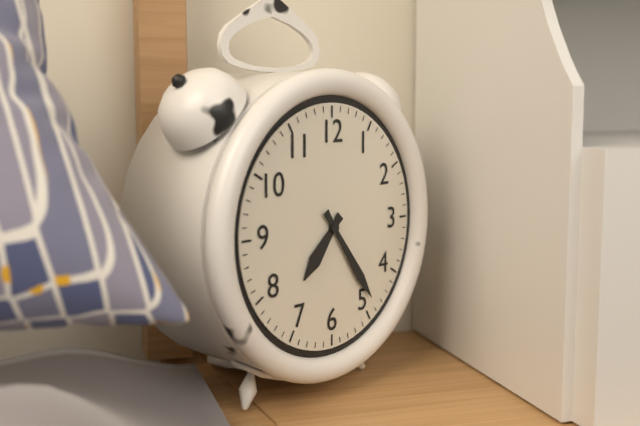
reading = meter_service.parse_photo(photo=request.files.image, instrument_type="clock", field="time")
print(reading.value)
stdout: 7:24
